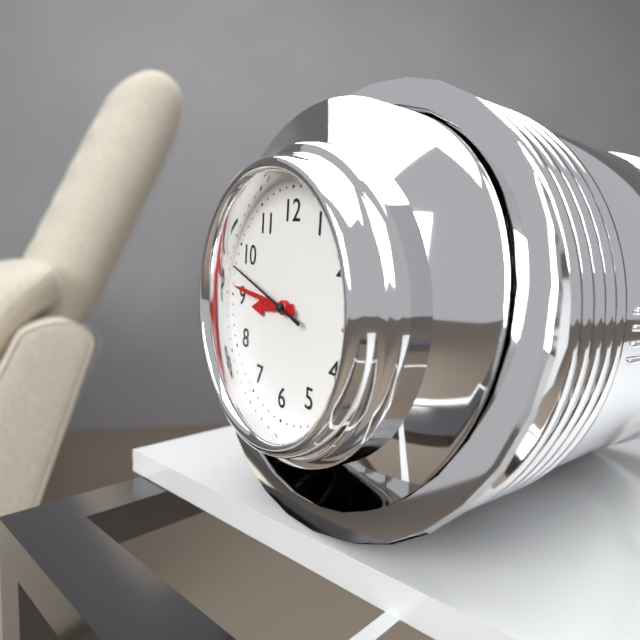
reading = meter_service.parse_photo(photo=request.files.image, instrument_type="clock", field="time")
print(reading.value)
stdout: 8:46:48
